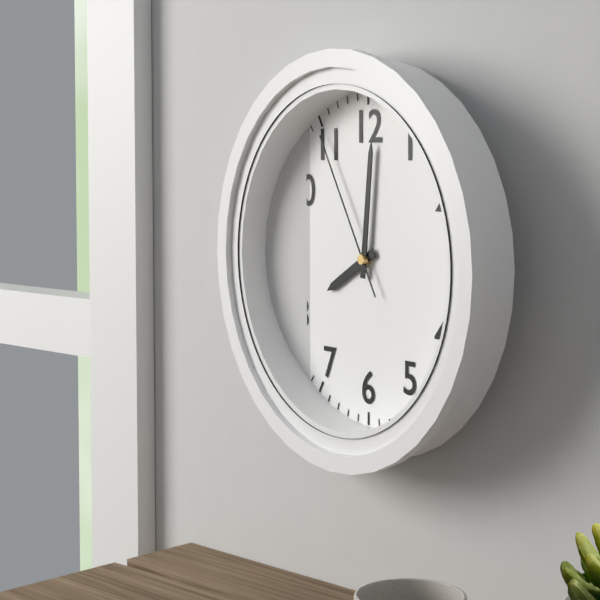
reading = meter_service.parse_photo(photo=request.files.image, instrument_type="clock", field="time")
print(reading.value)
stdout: 8:01:55
